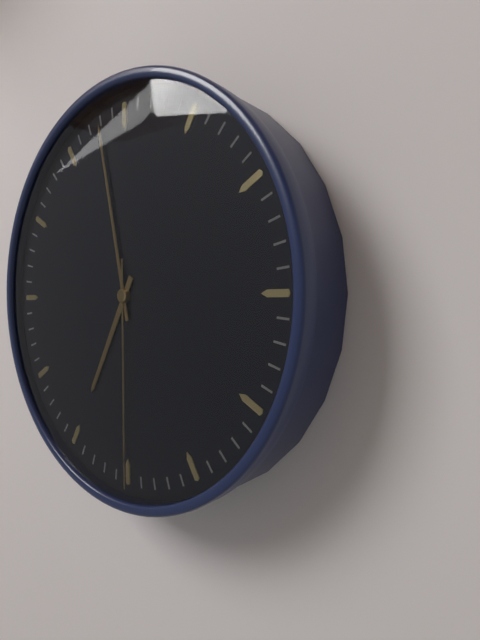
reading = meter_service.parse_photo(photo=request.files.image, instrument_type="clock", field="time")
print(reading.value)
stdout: 6:58:30
